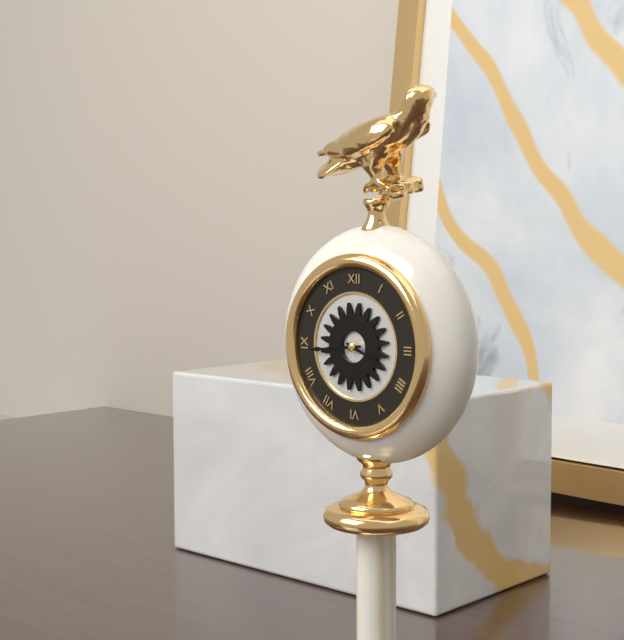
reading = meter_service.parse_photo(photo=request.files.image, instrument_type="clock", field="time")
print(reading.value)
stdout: 3:44
